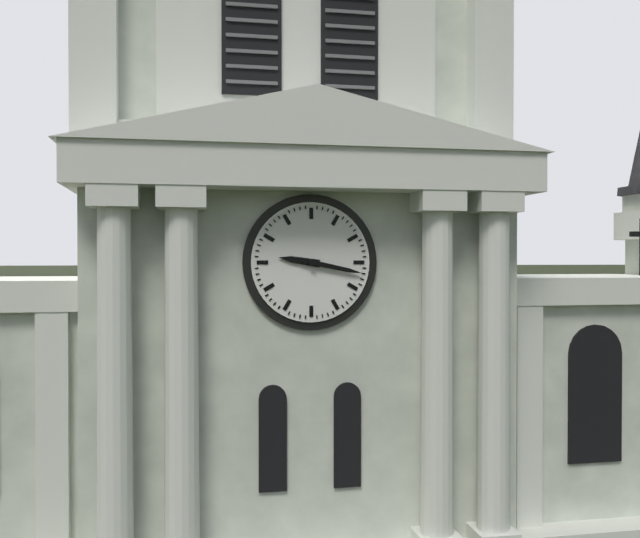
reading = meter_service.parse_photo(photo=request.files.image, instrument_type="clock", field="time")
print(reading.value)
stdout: 9:17
